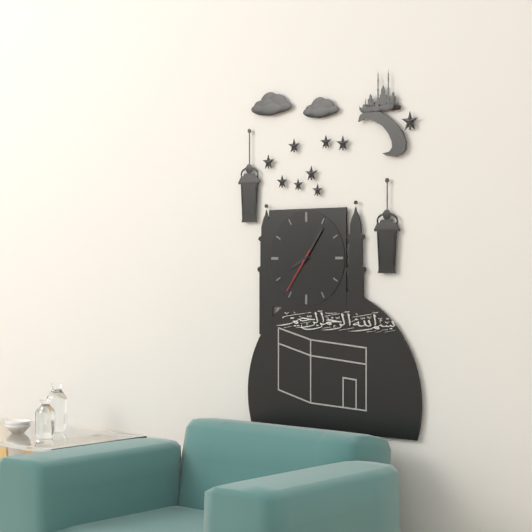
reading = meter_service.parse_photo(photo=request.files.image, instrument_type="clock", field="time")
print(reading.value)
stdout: 8:06:36
